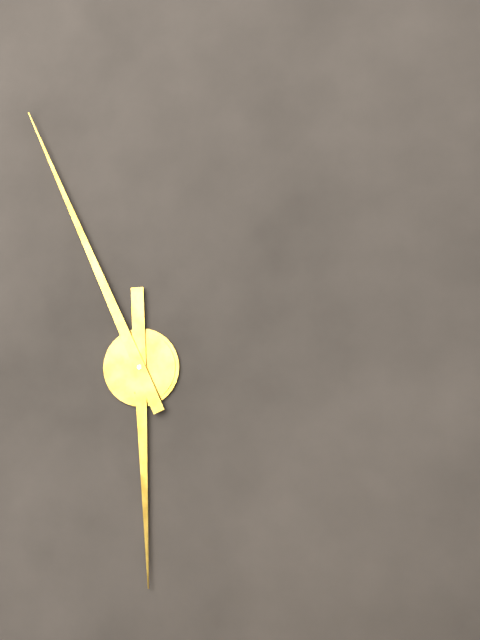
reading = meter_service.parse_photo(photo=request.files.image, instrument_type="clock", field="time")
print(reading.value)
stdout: 5:56
